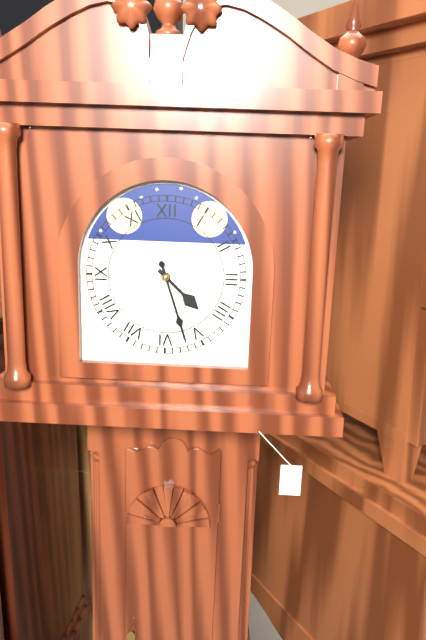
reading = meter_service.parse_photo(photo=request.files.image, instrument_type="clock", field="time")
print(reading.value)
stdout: 4:27
